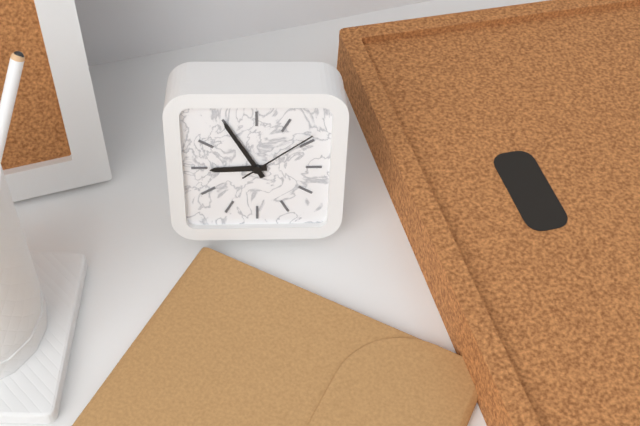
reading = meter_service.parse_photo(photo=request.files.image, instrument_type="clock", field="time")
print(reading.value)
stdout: 8:55:09
